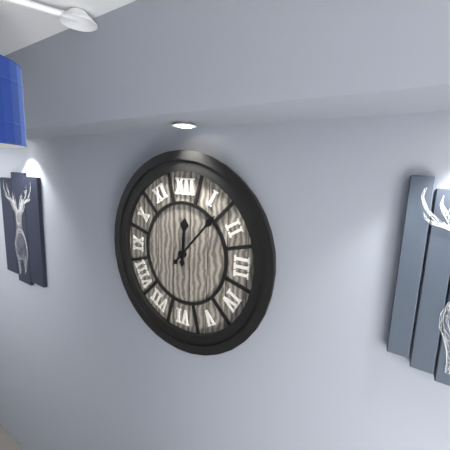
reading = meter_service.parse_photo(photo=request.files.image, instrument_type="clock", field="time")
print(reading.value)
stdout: 12:07
